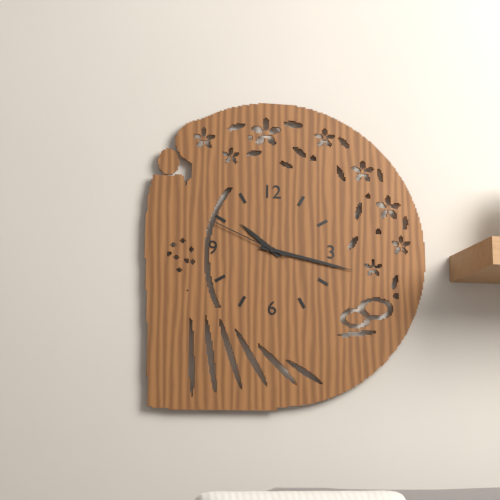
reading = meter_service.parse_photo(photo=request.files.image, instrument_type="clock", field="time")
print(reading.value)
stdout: 10:17:49
